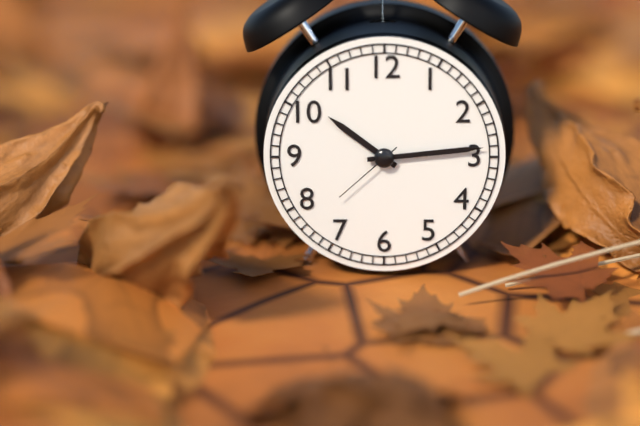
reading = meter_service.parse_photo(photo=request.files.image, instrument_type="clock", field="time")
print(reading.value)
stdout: 10:14:38
